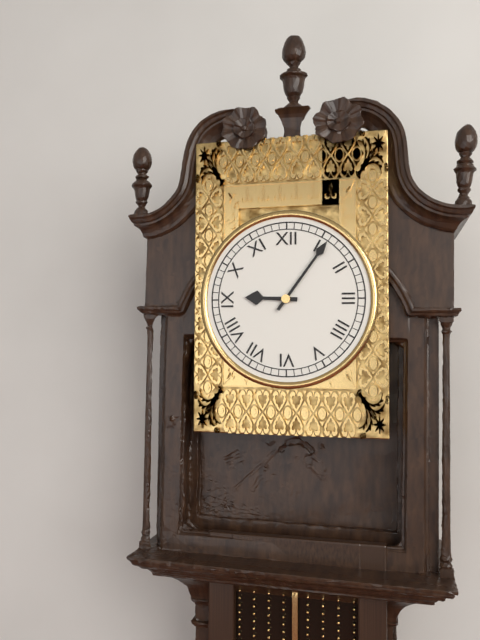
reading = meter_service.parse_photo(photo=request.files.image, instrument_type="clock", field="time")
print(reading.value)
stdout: 9:06
